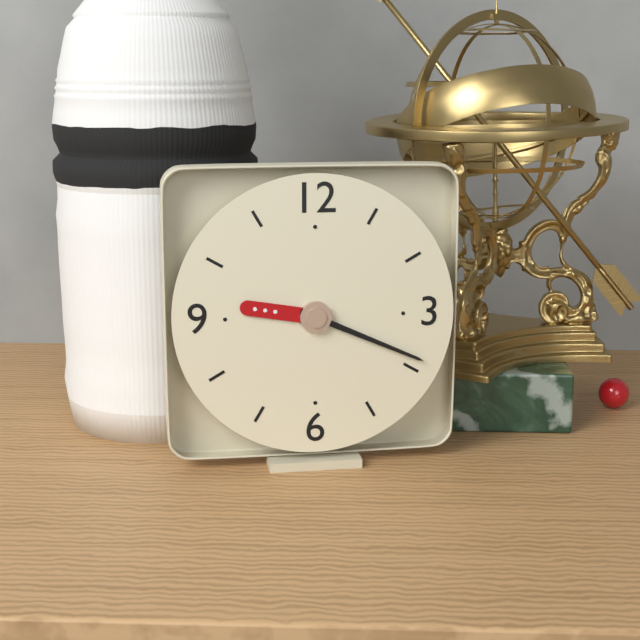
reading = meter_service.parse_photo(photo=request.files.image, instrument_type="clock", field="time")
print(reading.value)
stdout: 9:19
